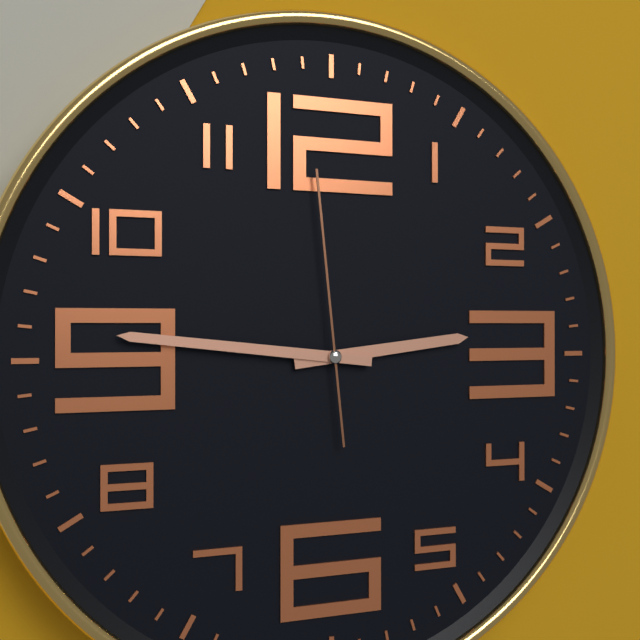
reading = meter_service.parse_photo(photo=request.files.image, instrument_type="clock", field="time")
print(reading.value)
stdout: 2:46:59
